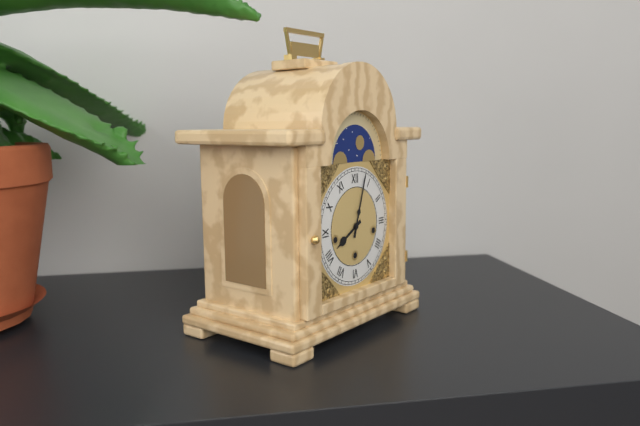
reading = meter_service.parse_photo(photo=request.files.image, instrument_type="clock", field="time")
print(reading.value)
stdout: 8:03
